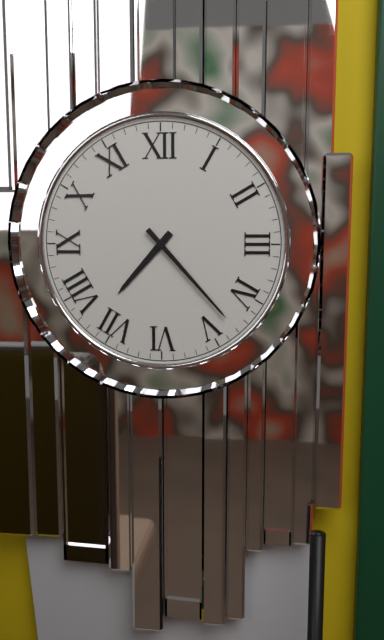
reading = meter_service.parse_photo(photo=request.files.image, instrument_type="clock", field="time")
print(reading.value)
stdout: 7:23
